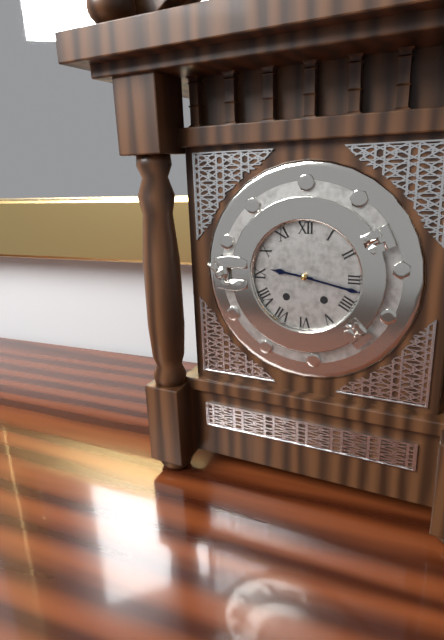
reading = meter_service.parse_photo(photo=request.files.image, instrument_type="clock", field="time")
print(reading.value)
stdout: 9:17
